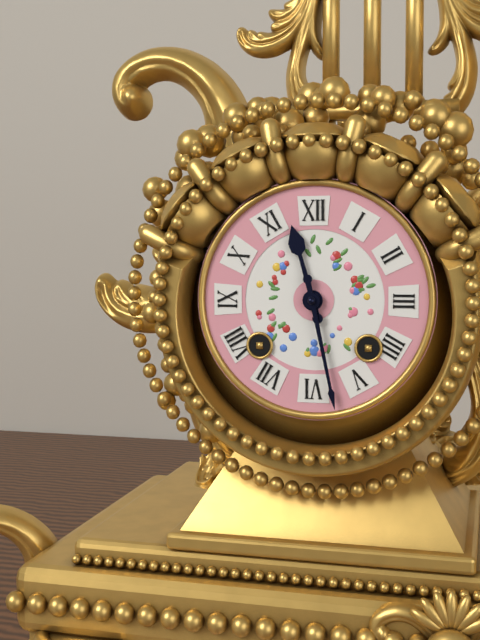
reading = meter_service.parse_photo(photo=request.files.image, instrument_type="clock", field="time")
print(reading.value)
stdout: 11:28
